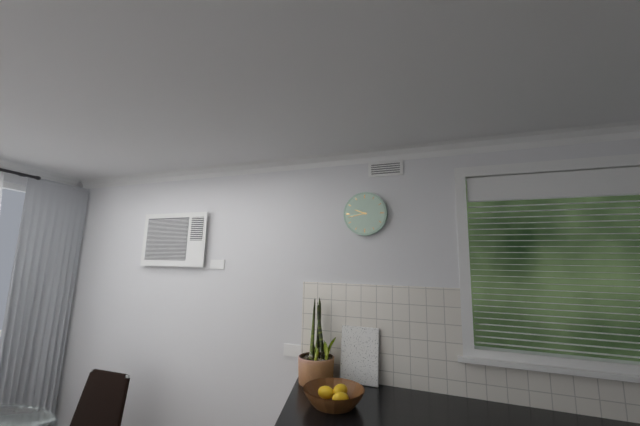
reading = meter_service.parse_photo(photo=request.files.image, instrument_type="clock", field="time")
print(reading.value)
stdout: 9:43
